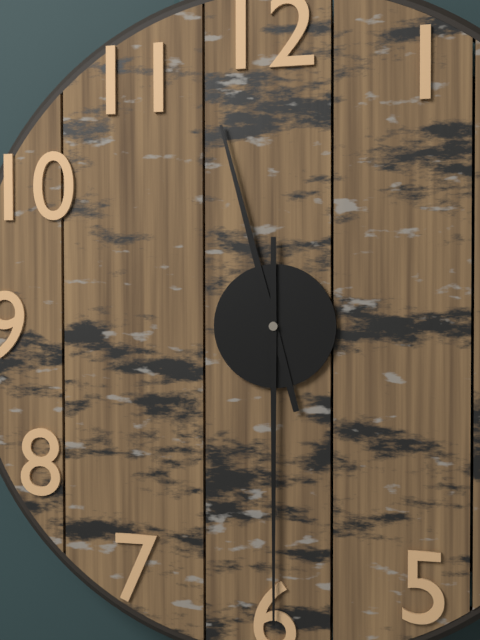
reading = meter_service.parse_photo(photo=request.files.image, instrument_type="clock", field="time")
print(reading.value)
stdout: 11:30
